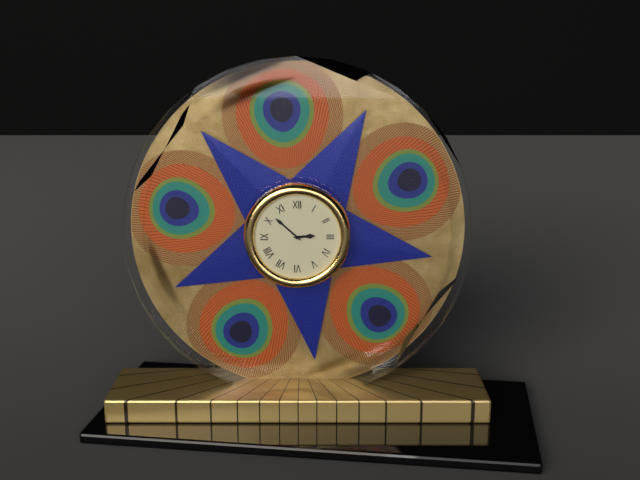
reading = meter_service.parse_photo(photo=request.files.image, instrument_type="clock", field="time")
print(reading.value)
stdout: 2:52
